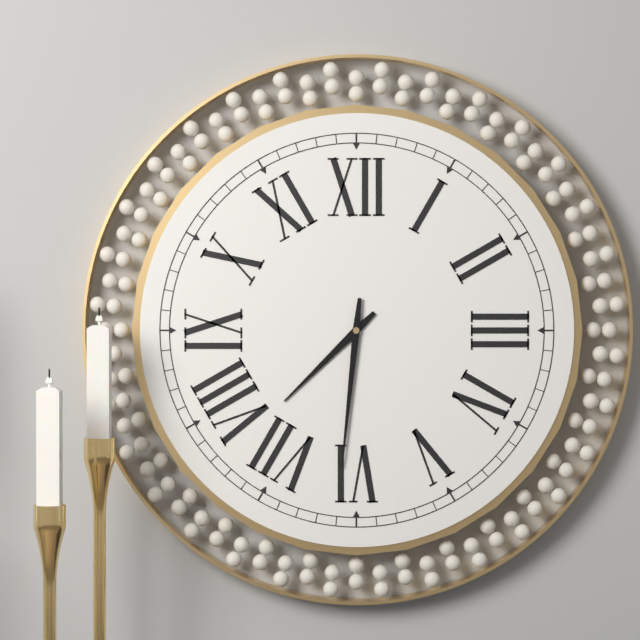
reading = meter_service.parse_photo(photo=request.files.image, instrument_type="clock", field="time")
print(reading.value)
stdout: 7:31
